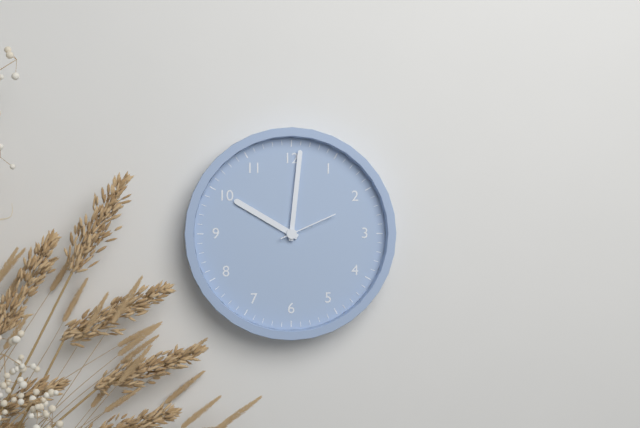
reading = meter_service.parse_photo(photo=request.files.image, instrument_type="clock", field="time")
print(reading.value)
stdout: 10:01:11
